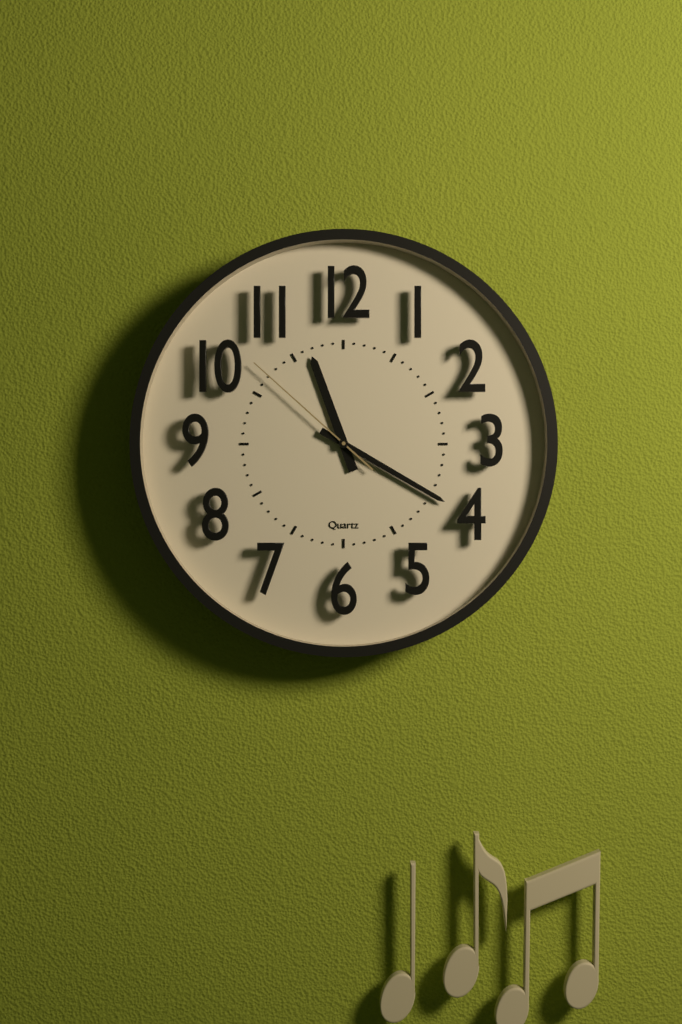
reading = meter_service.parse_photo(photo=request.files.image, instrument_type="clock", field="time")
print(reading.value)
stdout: 11:20:52
